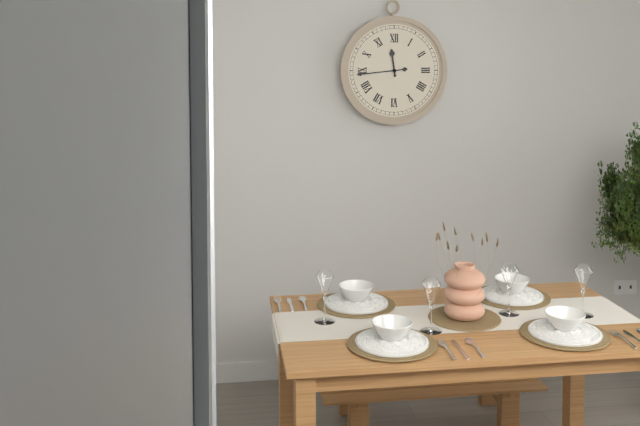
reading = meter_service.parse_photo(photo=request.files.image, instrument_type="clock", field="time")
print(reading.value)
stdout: 11:44
